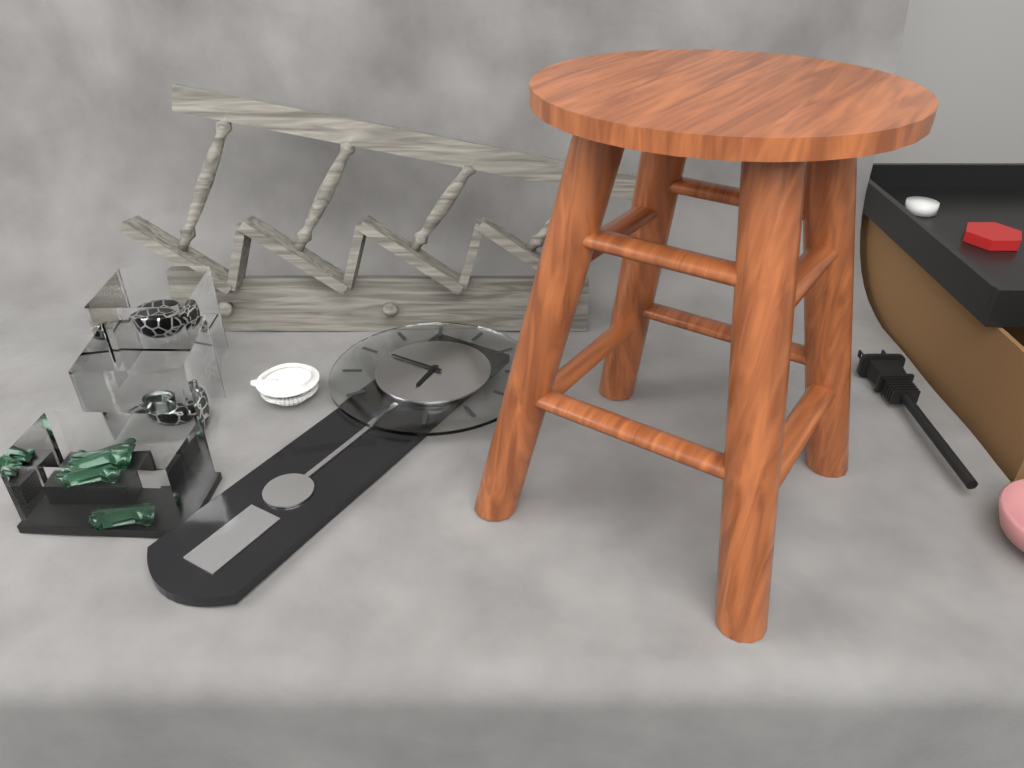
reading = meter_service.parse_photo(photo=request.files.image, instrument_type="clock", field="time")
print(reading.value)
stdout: 5:45
